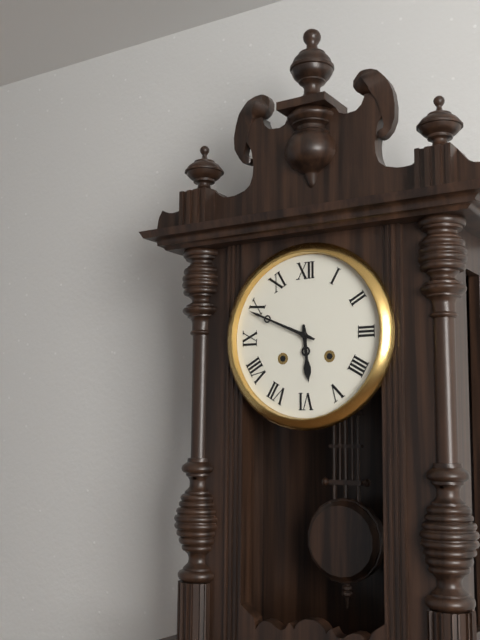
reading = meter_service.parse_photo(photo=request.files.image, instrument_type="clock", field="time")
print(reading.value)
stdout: 5:49
